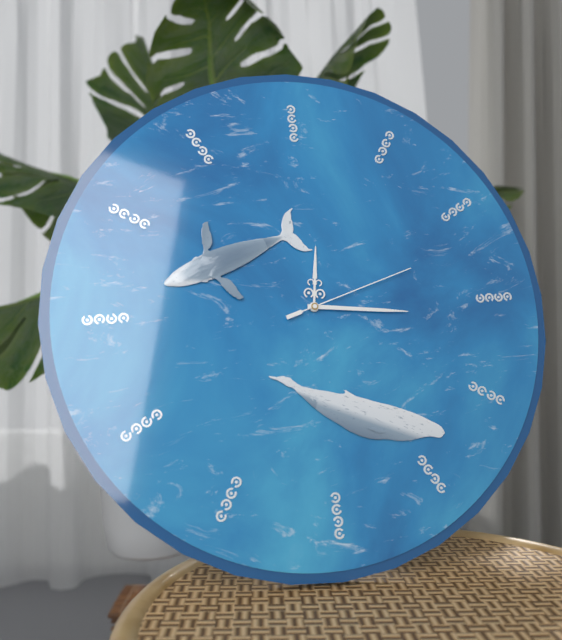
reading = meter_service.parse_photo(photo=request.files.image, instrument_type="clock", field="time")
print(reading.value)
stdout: 12:16:12
